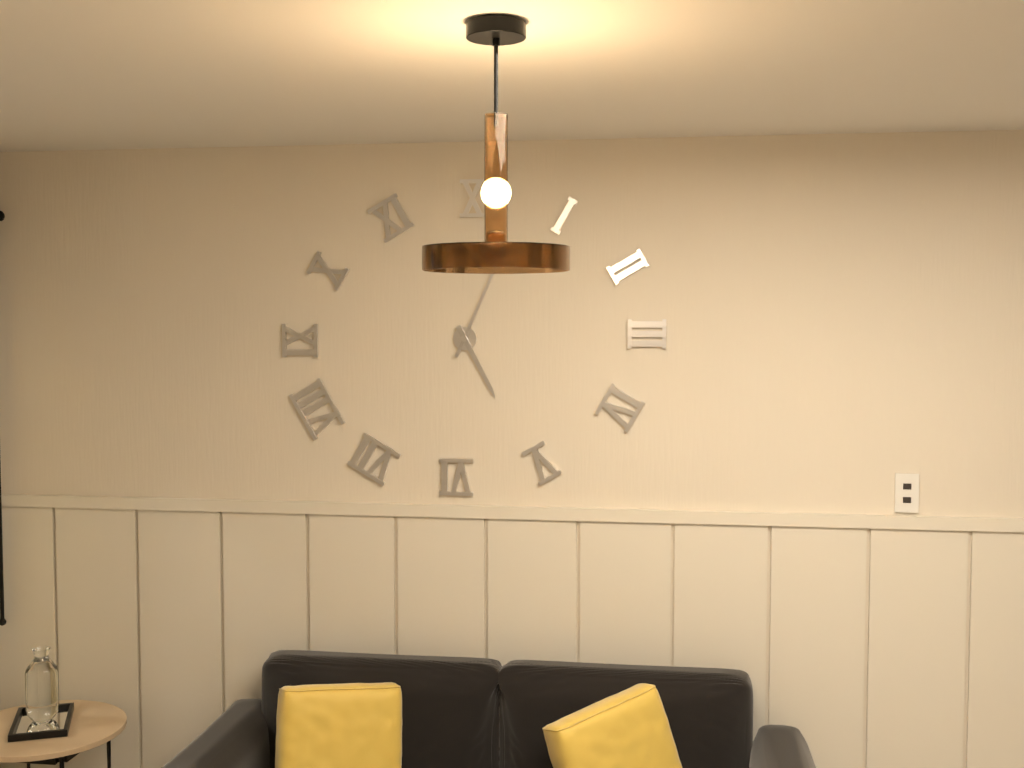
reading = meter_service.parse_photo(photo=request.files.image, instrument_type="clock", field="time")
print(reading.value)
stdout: 5:04
